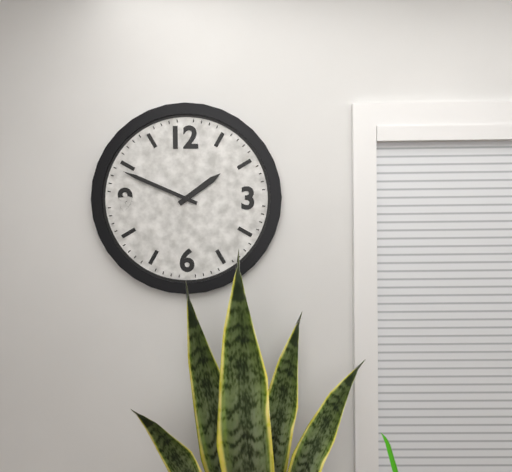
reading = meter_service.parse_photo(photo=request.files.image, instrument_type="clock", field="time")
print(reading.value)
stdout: 1:49
